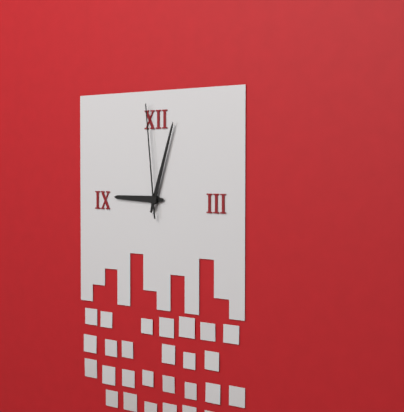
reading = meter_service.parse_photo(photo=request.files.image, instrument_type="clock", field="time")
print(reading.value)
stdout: 9:03:59
